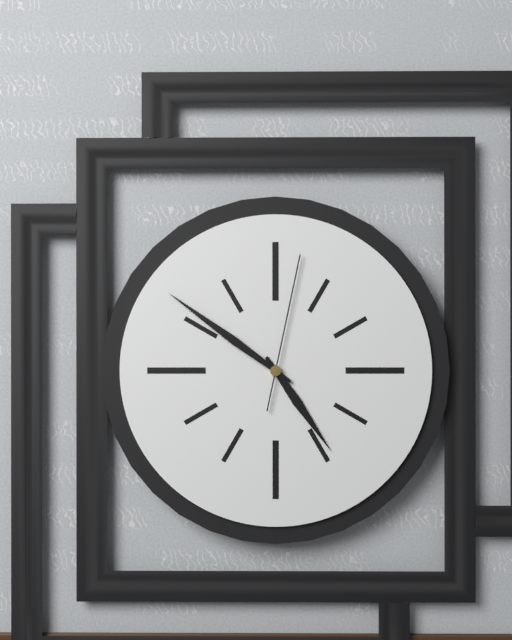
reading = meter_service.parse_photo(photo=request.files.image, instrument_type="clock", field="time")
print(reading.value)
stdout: 4:51:02
